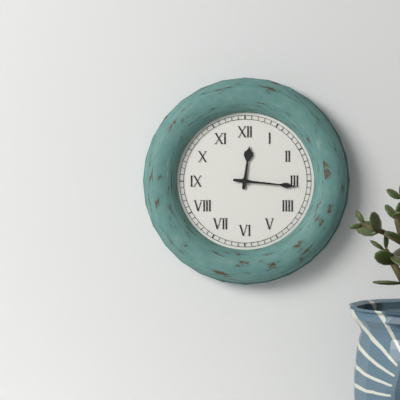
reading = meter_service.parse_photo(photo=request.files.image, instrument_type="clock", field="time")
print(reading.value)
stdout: 12:16
